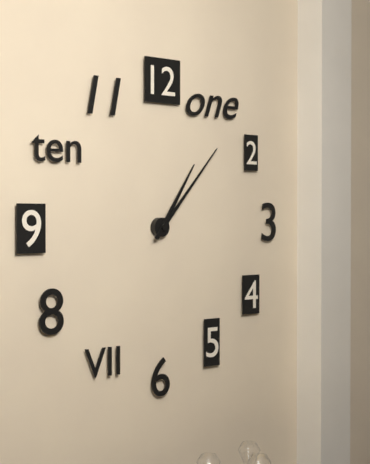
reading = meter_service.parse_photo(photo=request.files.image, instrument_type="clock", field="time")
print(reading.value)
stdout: 1:07
